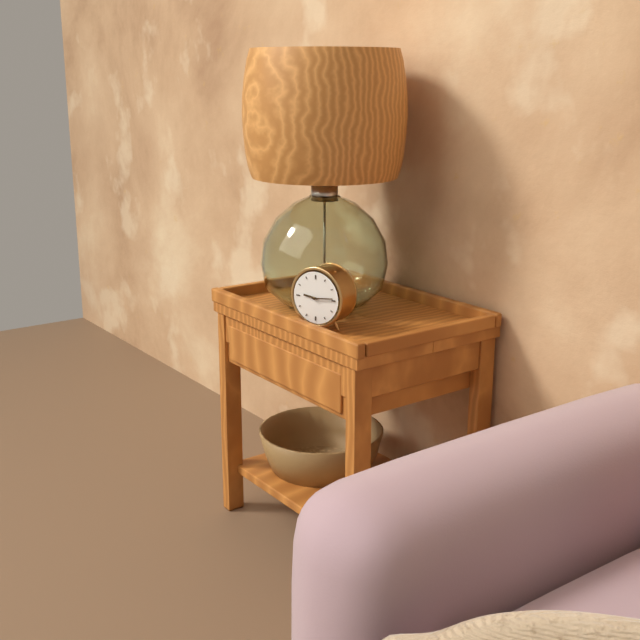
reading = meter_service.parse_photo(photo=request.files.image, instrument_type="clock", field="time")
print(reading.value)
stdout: 9:14
